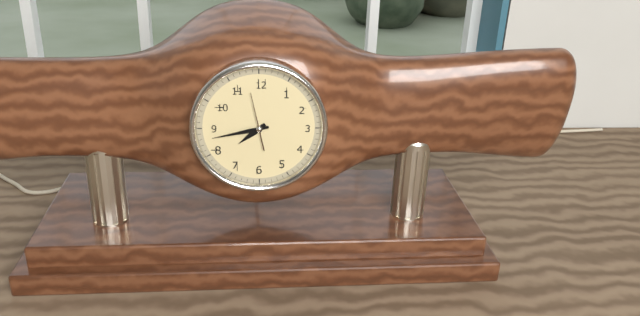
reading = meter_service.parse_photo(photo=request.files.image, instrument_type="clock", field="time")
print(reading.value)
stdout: 7:43
